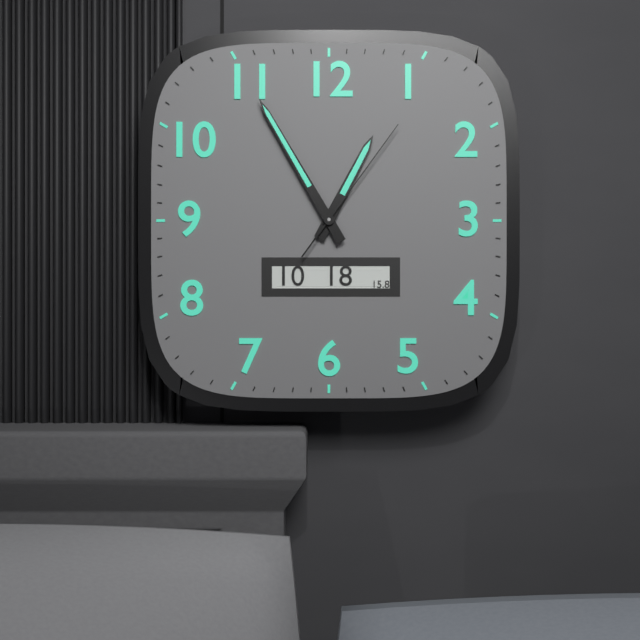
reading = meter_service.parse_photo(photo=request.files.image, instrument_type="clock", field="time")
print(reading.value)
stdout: 12:55:06
